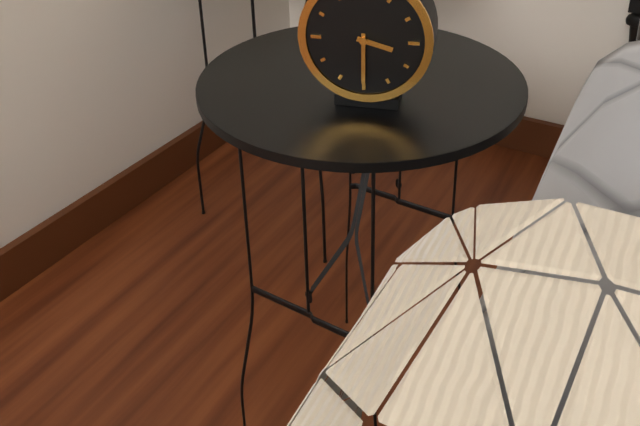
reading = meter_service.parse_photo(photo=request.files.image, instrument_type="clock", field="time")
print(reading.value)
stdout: 3:30
